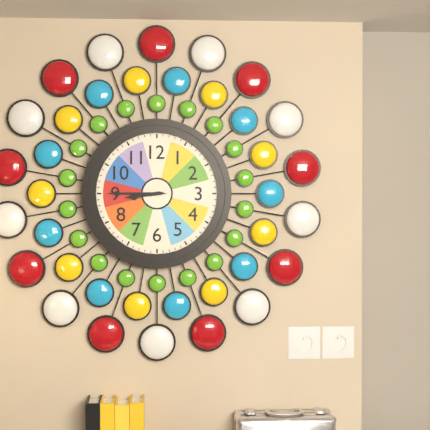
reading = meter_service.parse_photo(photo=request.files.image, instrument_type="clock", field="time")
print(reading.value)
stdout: 8:45
